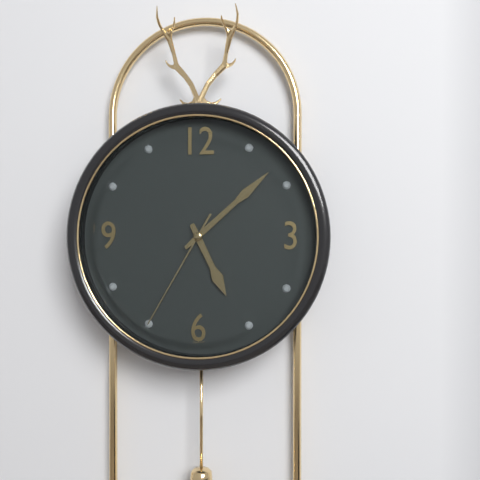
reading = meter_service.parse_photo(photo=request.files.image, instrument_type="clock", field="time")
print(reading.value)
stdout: 5:08:35
